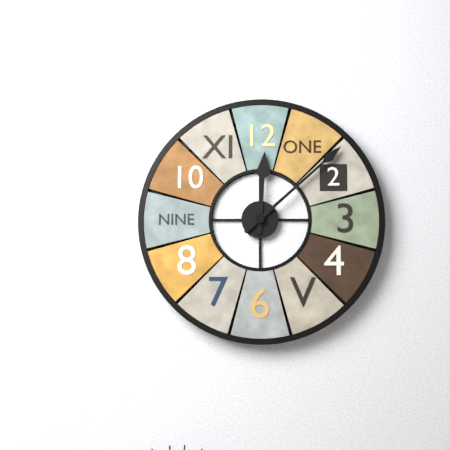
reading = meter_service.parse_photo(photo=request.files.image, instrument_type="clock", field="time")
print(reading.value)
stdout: 12:08
